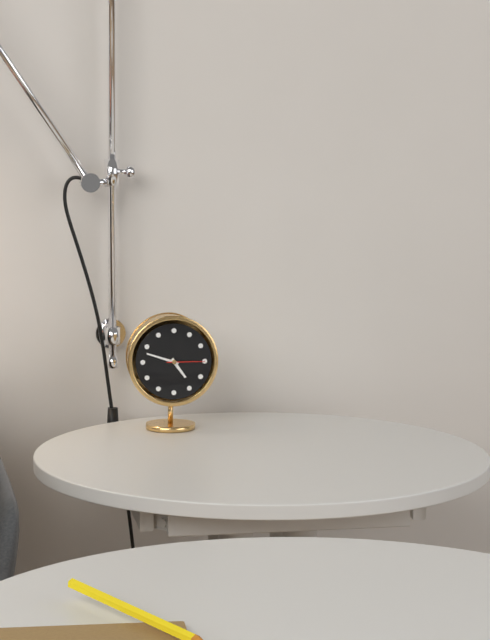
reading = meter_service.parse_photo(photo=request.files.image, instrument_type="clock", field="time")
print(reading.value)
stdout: 4:48
